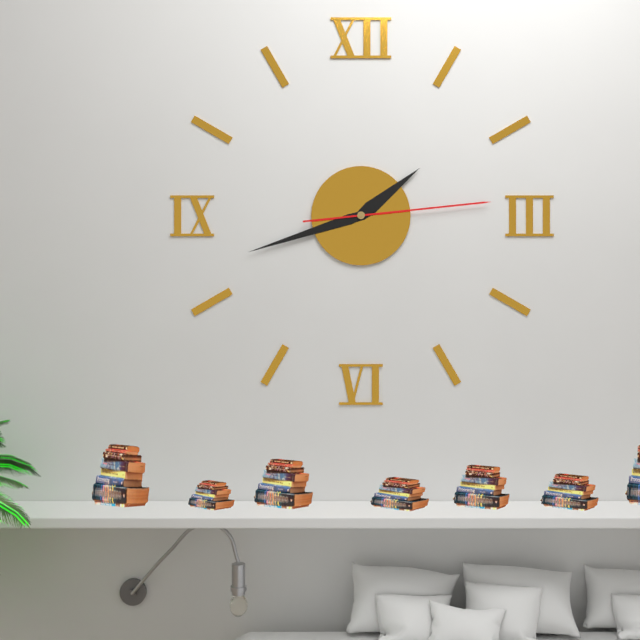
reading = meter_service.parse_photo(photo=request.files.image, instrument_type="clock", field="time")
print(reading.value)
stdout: 1:42:14
